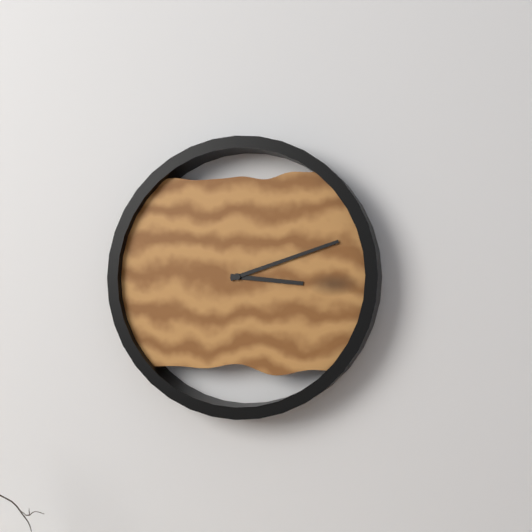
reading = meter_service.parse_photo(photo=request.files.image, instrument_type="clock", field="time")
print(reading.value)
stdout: 3:12
